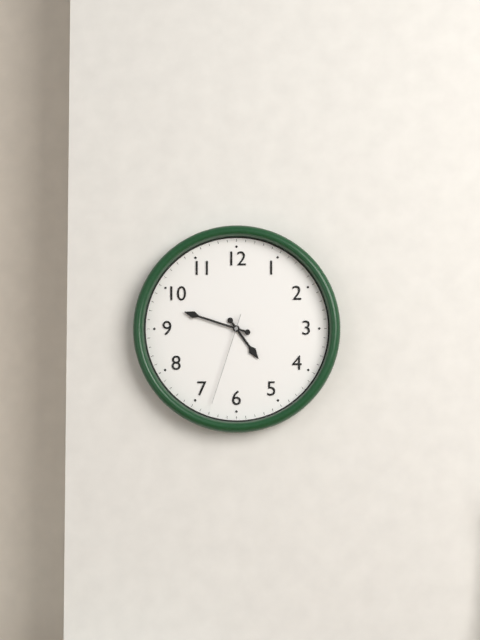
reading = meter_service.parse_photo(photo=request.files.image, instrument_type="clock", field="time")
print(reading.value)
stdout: 4:48:33
